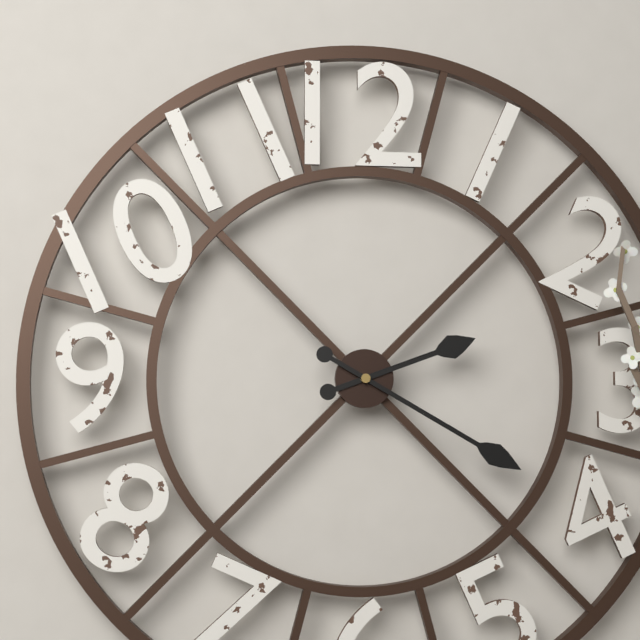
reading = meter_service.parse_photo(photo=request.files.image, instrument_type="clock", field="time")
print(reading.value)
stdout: 2:20
